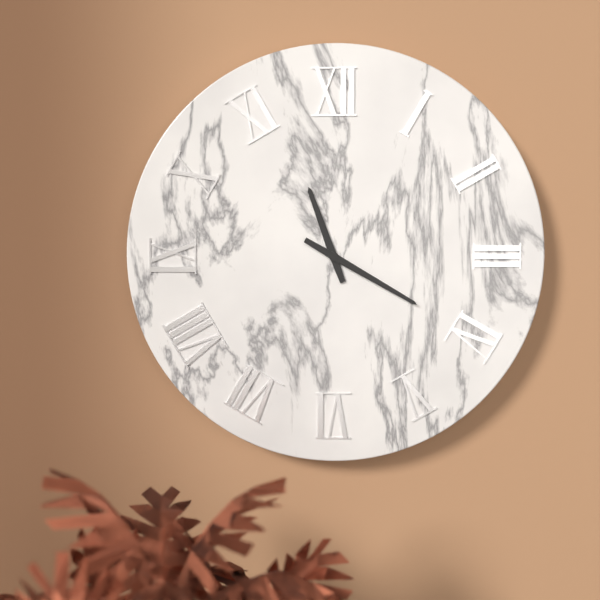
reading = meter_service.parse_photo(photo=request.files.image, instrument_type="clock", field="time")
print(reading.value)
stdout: 11:20
